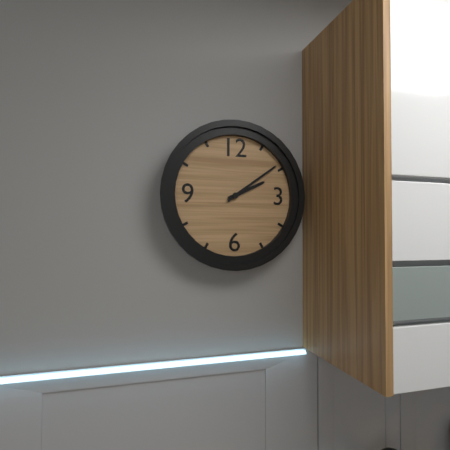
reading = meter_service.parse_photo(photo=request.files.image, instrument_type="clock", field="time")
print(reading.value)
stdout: 2:09
